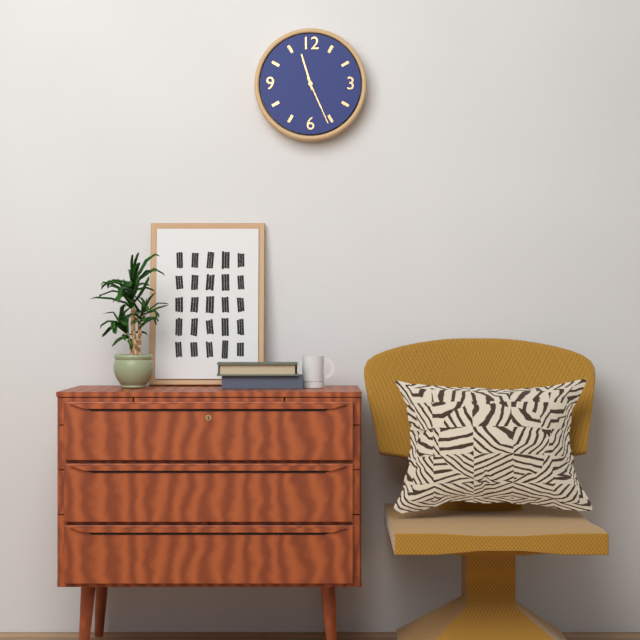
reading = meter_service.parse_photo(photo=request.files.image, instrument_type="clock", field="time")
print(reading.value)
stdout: 11:26
